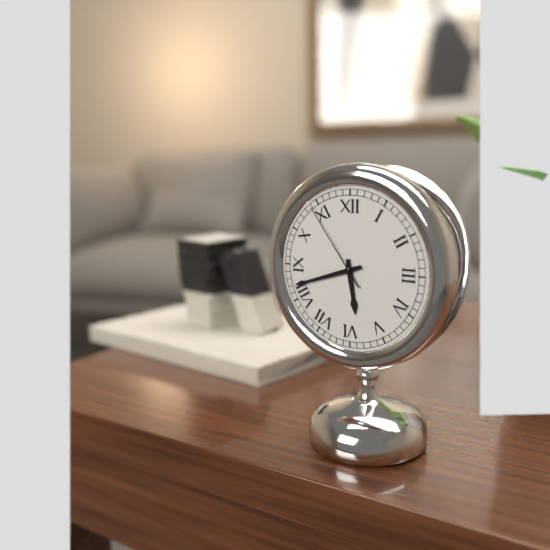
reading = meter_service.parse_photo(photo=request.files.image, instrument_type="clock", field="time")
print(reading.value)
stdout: 5:42:54
